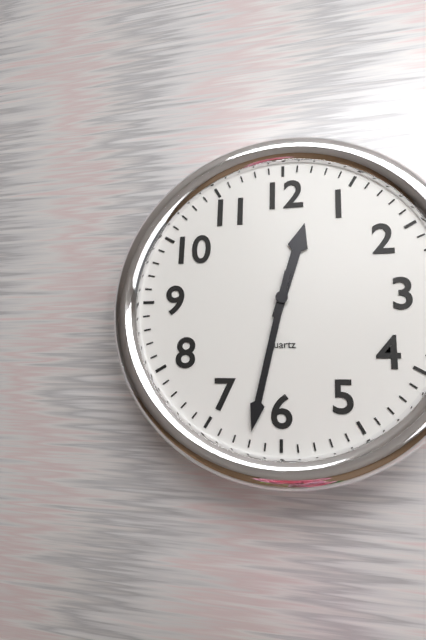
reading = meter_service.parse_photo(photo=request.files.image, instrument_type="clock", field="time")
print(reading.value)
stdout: 12:32
